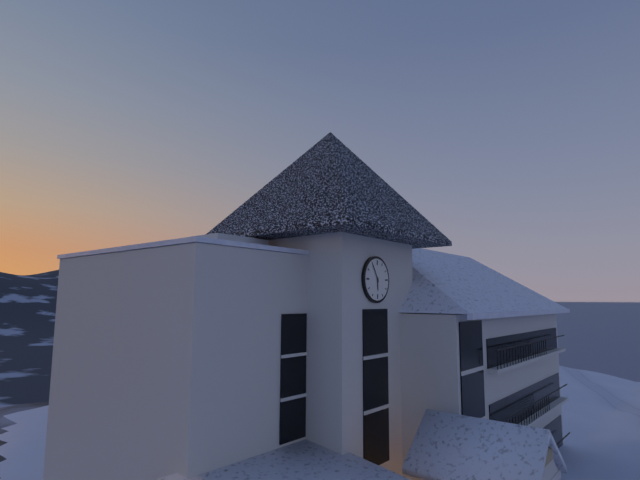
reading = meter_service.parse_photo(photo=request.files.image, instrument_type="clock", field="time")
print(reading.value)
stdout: 5:55
